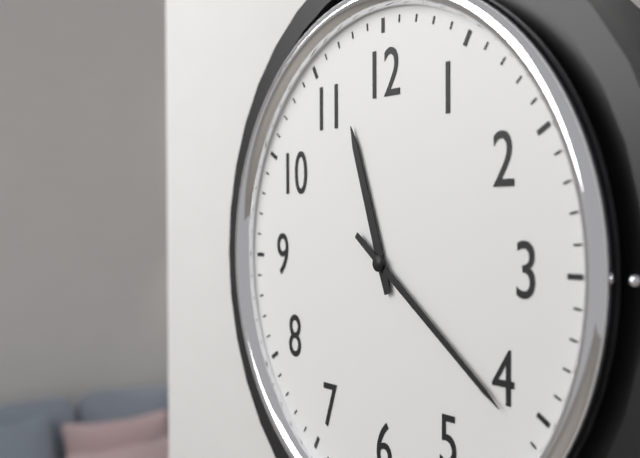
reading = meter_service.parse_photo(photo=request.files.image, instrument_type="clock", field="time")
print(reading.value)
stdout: 11:21
